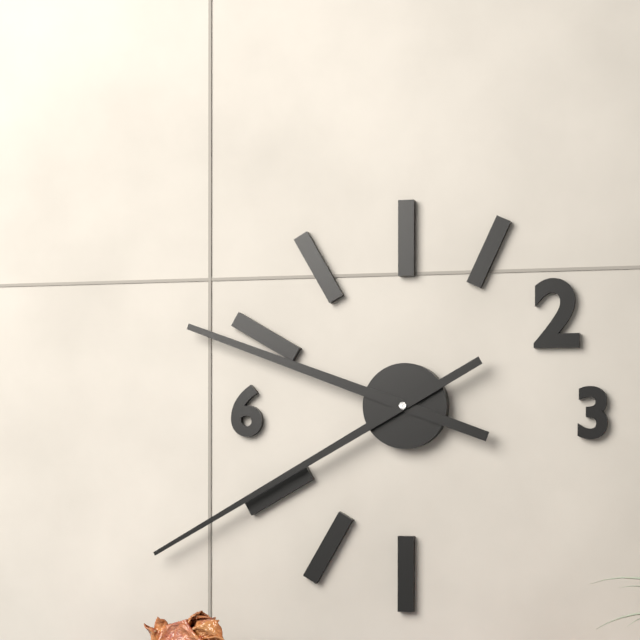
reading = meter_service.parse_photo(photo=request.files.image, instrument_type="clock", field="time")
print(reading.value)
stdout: 9:40
